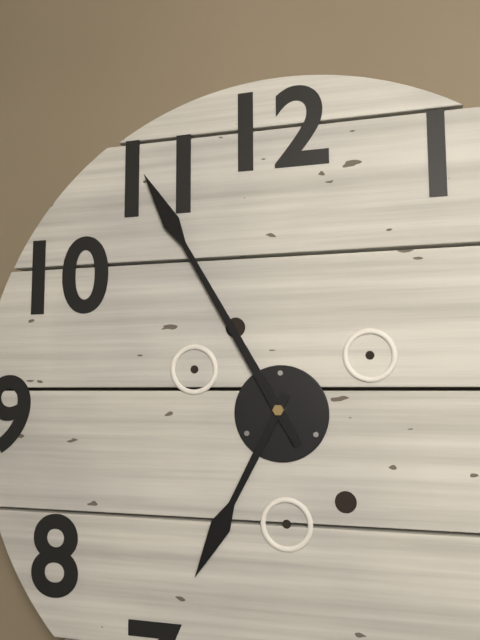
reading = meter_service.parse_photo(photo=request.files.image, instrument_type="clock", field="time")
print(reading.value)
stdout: 6:55
